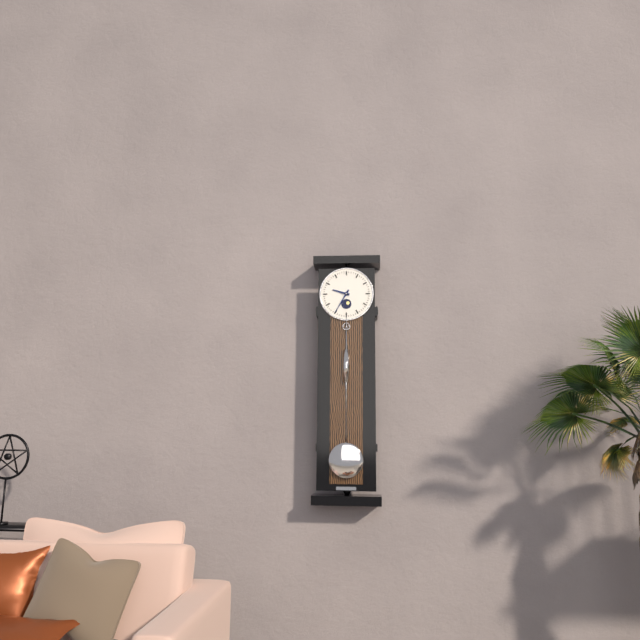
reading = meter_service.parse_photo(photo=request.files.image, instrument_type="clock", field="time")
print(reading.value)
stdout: 9:35
